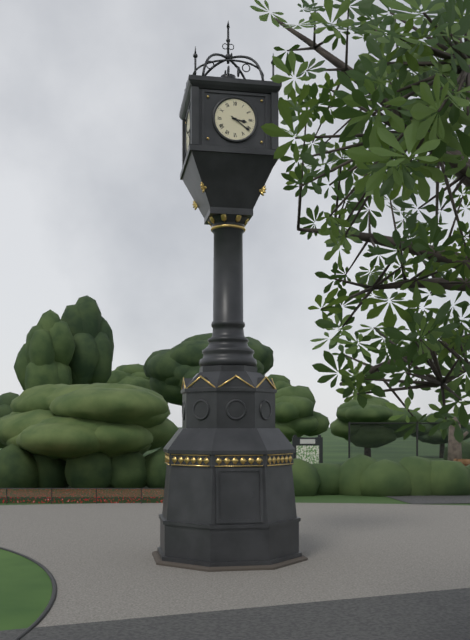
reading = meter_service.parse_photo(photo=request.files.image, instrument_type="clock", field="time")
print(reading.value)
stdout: 3:21
